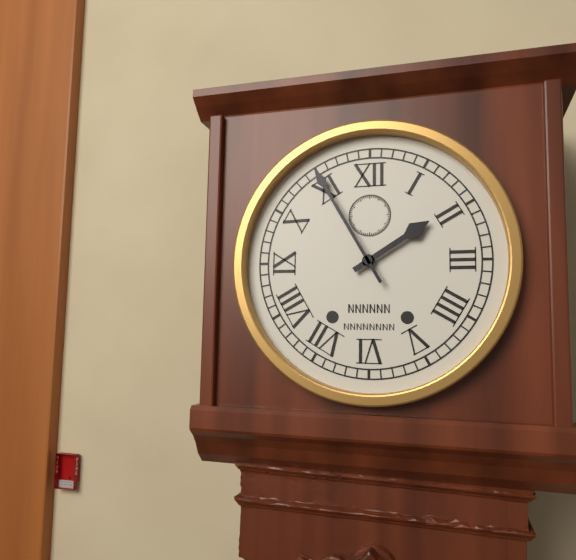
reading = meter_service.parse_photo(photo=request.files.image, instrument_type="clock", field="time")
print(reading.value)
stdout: 1:55
